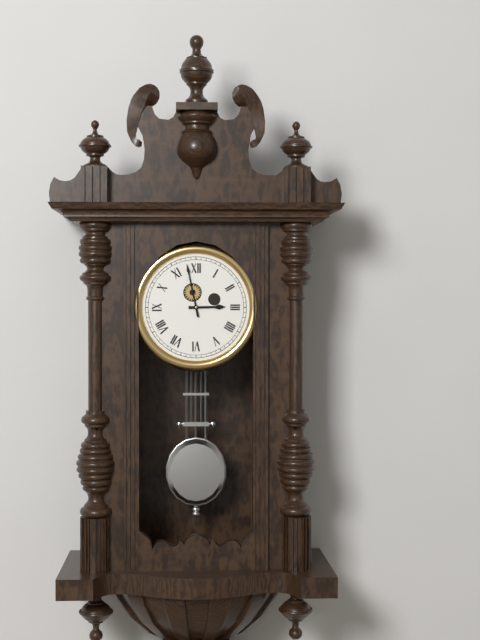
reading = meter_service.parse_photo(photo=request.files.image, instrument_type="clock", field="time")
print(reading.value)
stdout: 2:58
